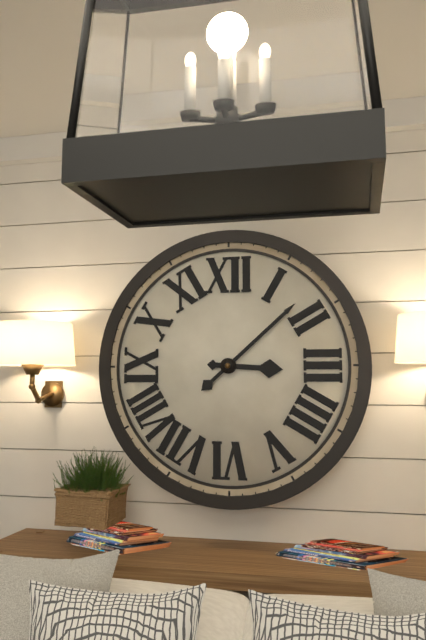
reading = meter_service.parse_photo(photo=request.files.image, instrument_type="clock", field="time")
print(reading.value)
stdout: 3:08
